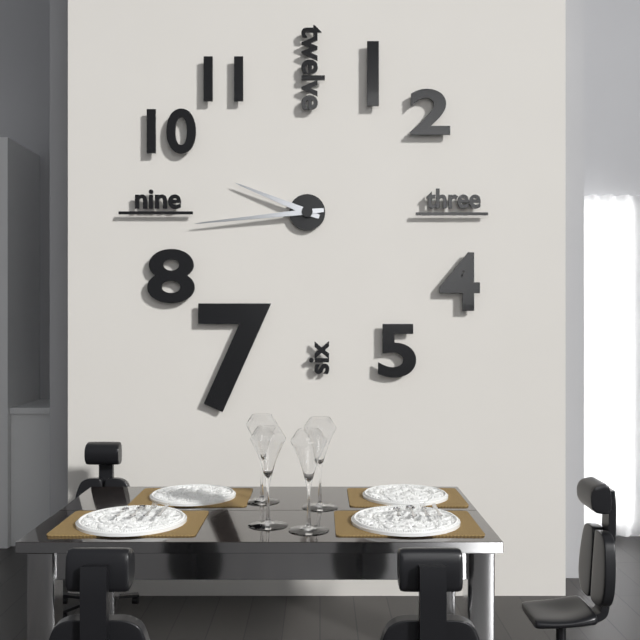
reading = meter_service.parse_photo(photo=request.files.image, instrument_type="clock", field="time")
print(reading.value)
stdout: 9:44
